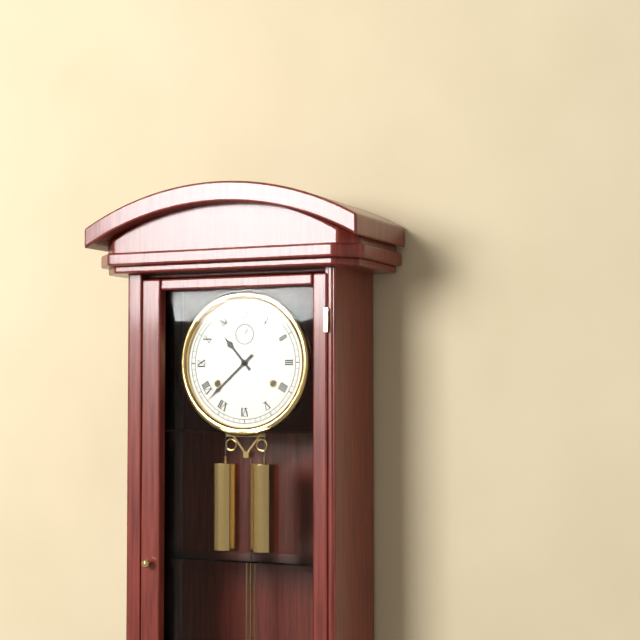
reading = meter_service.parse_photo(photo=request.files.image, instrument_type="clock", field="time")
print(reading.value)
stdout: 10:38
